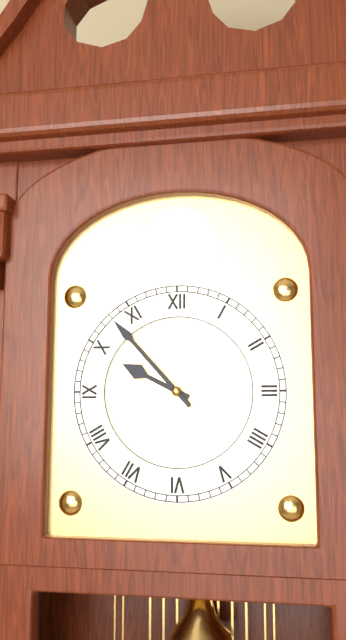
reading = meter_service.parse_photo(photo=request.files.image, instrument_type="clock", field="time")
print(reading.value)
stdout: 9:53
